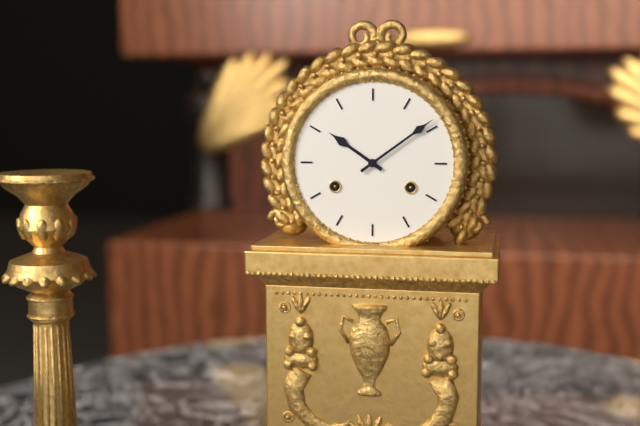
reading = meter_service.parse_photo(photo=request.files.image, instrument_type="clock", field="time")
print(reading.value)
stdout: 10:09
